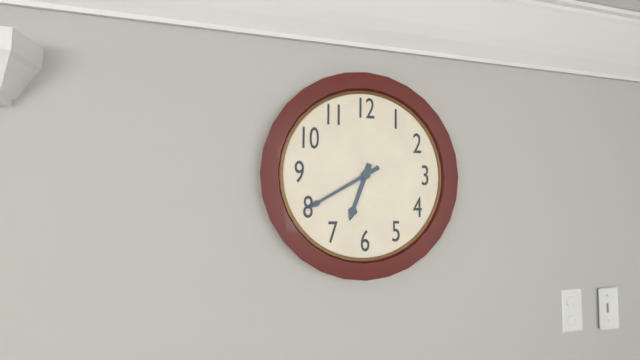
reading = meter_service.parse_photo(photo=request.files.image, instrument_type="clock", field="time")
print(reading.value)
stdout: 6:40
